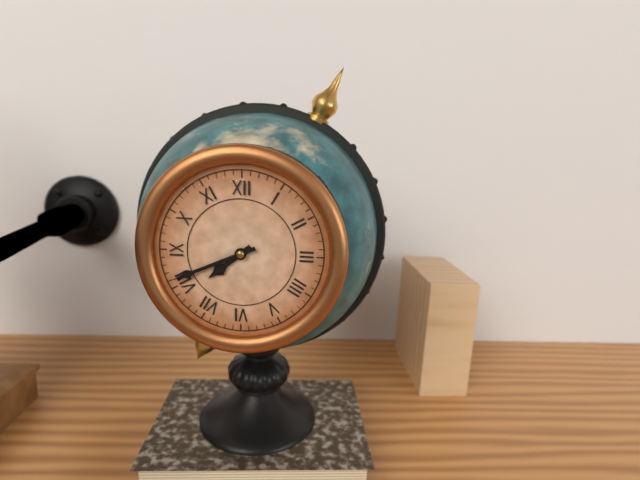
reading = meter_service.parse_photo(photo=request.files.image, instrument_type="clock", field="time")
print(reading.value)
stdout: 7:41
